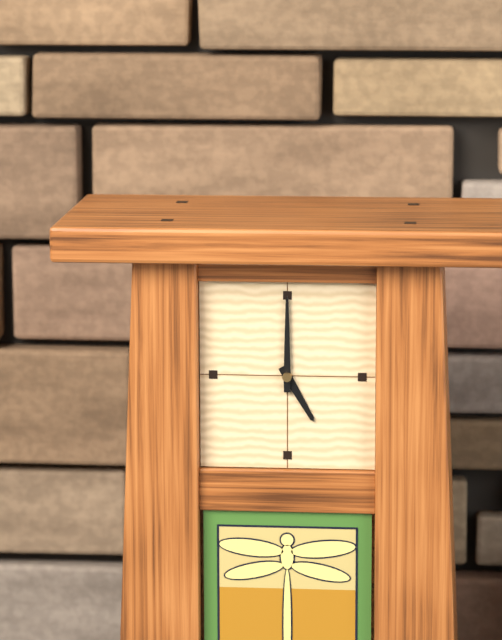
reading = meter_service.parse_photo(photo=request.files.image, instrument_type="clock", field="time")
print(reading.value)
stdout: 5:00
